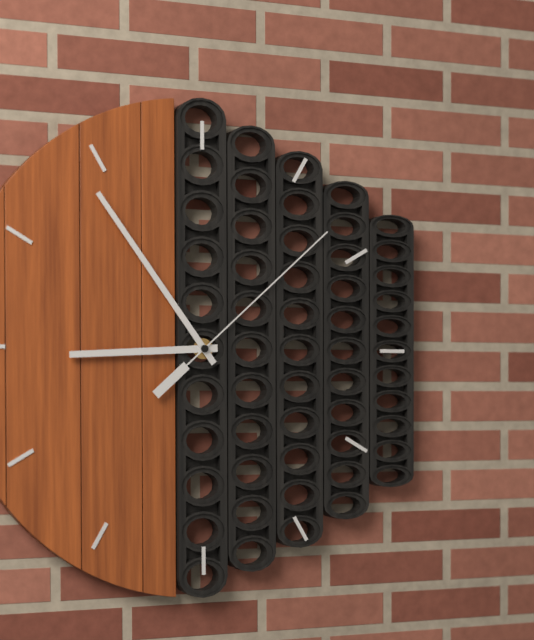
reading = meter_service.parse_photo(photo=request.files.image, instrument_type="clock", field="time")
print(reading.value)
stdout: 8:54:08
